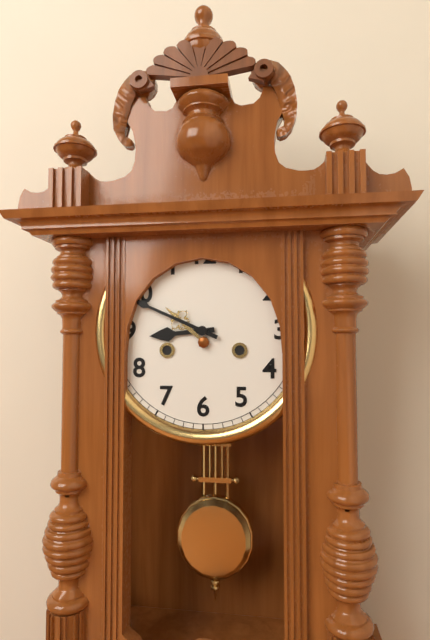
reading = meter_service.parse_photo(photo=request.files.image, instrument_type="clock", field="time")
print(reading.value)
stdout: 8:49
